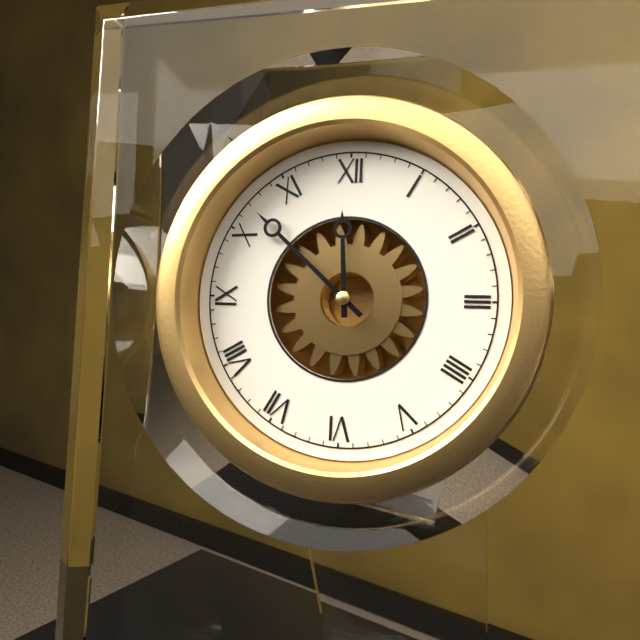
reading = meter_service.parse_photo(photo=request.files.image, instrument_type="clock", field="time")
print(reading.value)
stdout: 11:52
